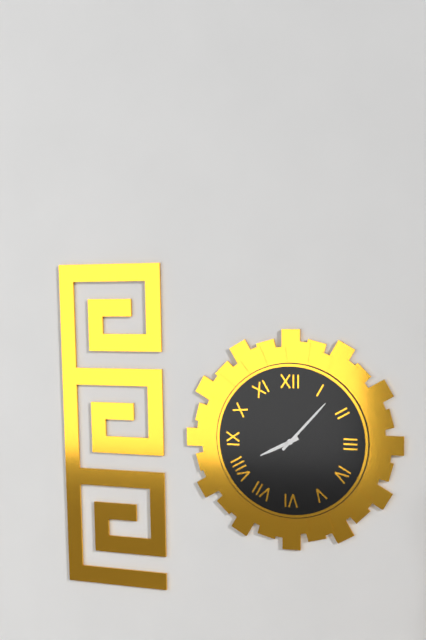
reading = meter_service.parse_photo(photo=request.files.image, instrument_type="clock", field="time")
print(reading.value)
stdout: 8:07
